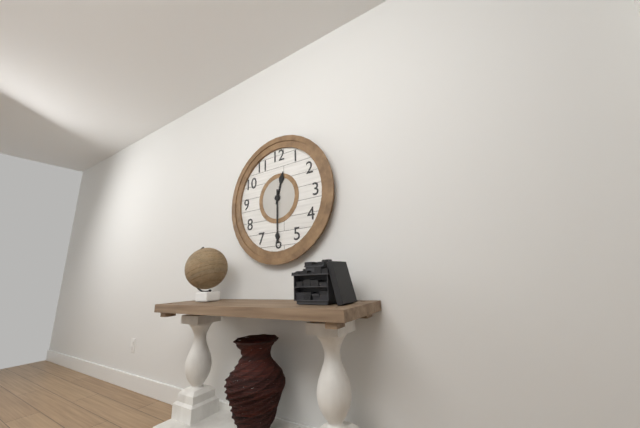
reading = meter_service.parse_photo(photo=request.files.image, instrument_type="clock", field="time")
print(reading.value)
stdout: 12:30
